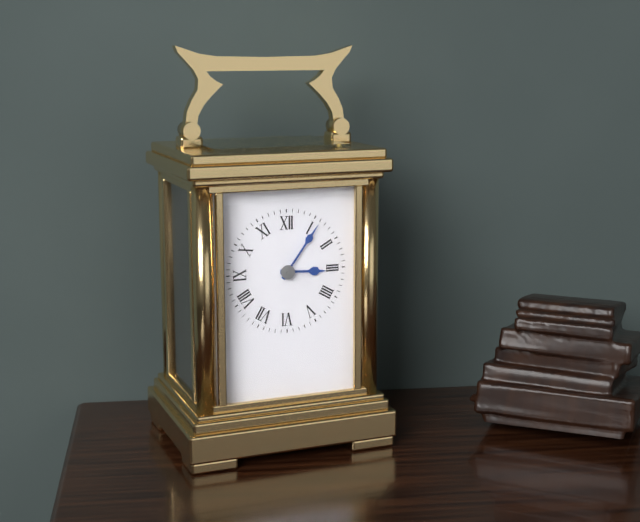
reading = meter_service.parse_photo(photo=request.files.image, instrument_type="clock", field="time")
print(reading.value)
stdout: 3:06
